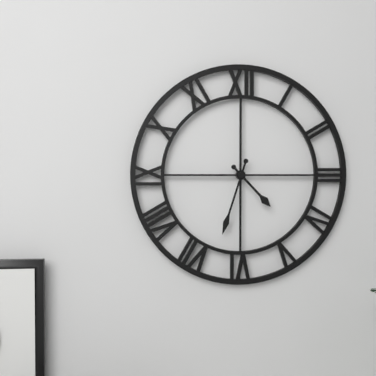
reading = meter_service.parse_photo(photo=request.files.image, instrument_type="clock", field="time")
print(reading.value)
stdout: 4:33
